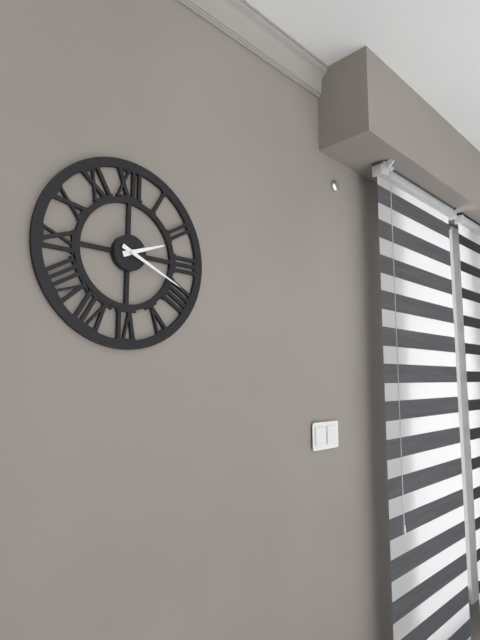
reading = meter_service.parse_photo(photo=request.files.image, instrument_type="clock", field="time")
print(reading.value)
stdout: 2:19
